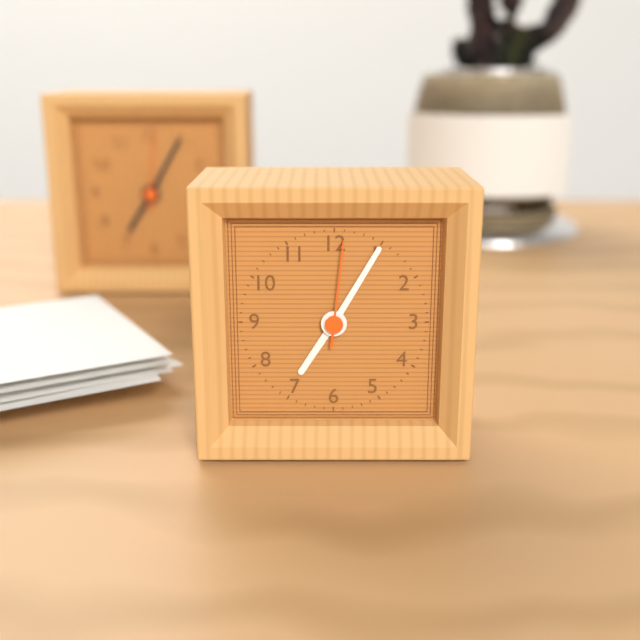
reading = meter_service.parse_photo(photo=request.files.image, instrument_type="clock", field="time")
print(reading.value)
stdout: 7:05:01
